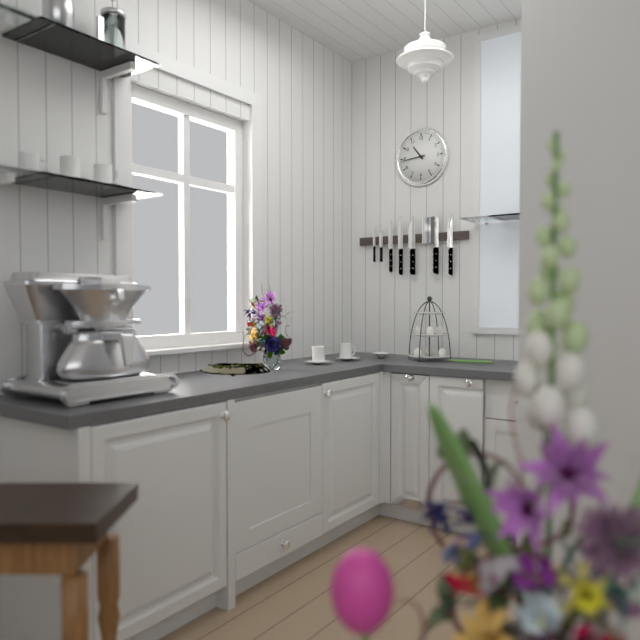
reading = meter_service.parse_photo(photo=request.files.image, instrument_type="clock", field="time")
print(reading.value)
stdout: 10:44
